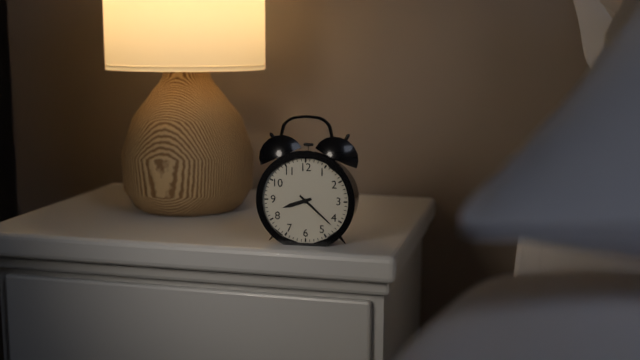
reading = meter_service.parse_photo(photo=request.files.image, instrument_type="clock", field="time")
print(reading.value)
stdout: 8:22
